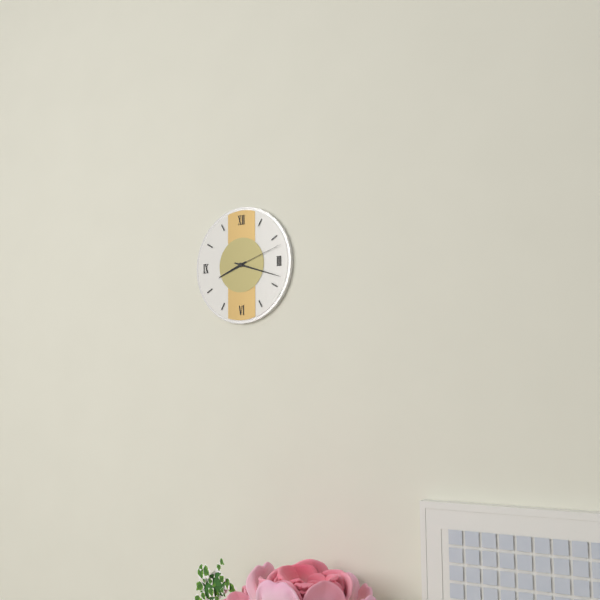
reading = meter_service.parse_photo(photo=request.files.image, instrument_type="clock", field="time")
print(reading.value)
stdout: 8:18:12
